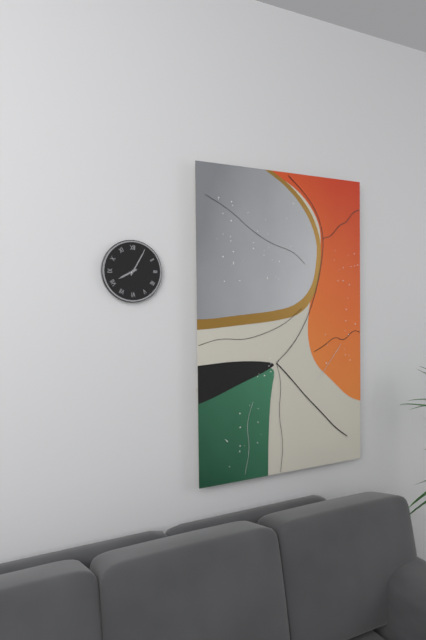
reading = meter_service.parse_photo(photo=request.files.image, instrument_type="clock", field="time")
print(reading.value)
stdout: 8:05
